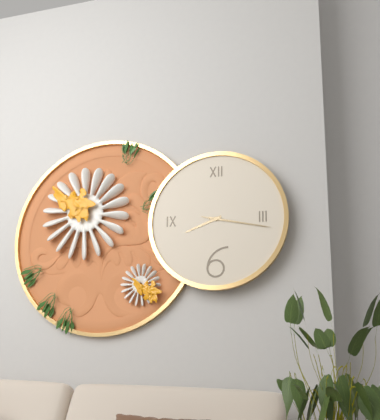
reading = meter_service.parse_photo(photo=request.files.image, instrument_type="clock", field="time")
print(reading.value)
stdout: 8:17:17
